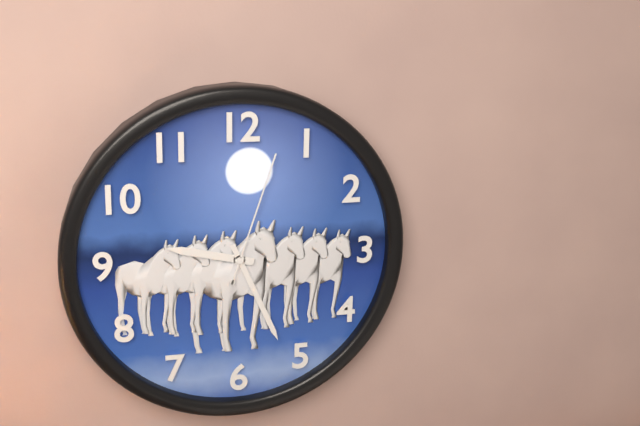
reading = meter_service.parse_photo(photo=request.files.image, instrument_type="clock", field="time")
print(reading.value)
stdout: 9:26:03
